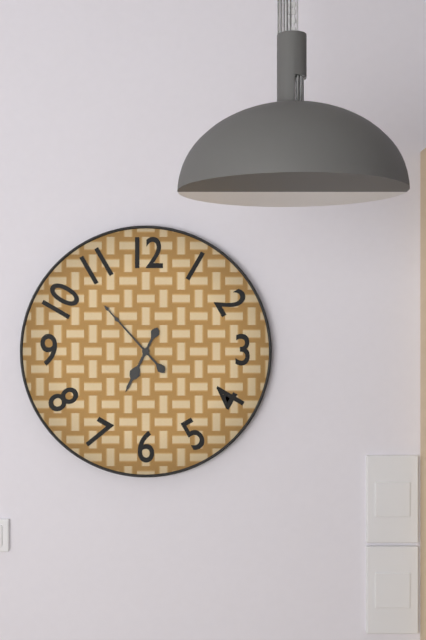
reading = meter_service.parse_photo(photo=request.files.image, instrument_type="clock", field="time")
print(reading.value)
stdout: 6:53
